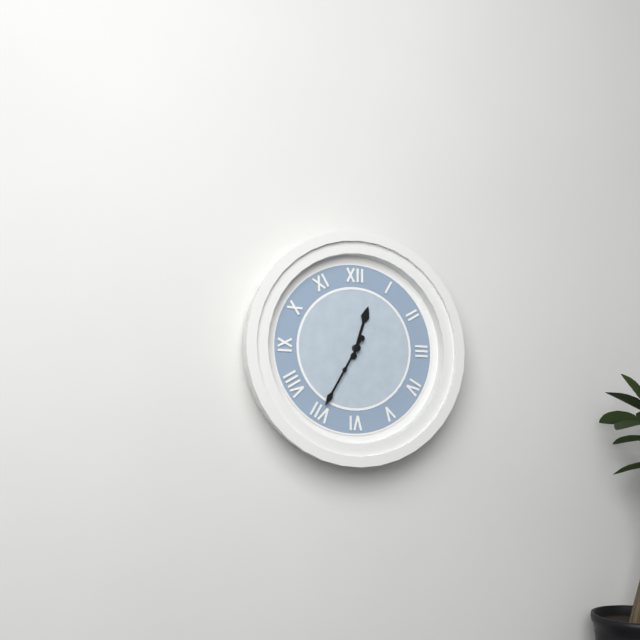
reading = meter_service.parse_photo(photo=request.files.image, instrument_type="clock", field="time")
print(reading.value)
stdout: 12:35
